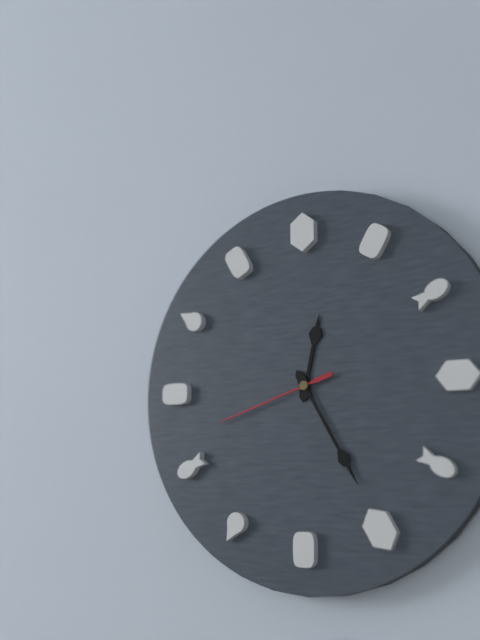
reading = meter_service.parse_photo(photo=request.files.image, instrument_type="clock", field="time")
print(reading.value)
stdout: 12:25:42
